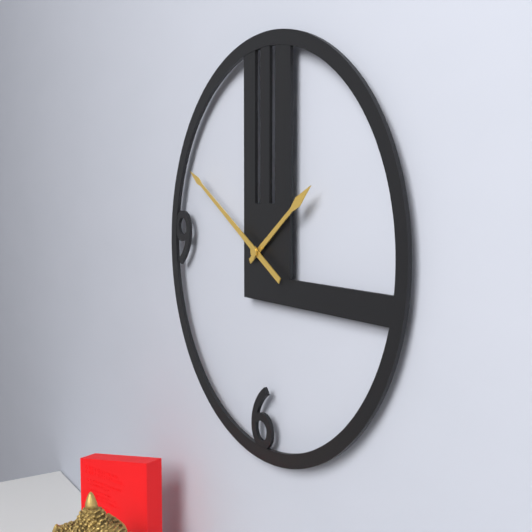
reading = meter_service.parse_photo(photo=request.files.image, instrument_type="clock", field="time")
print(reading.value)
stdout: 1:50
